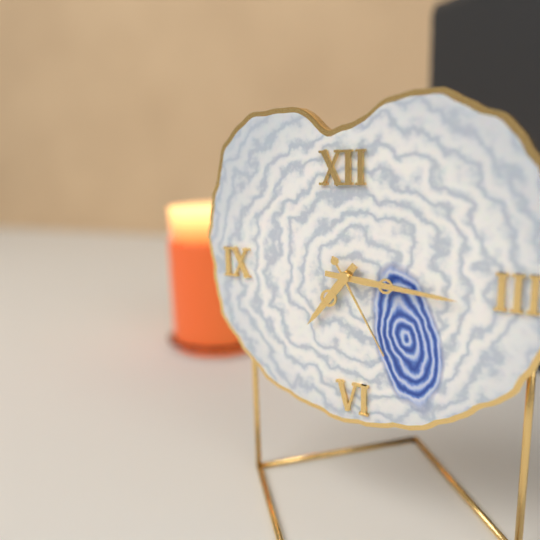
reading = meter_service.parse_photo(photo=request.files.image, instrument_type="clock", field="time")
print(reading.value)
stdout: 7:16:25
